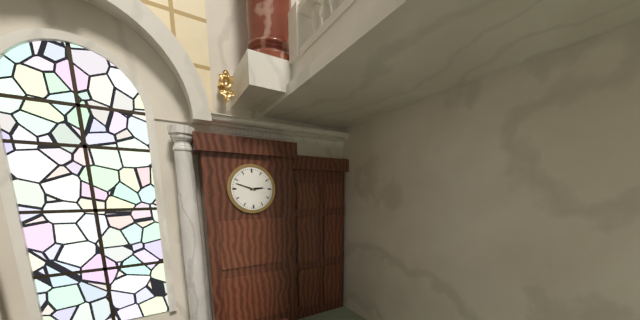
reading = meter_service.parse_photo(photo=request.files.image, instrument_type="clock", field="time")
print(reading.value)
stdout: 2:48
